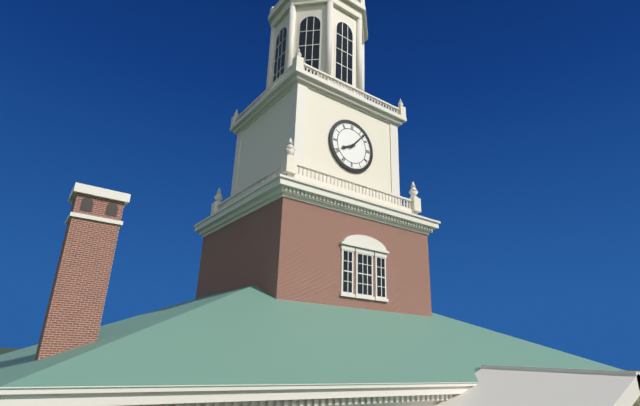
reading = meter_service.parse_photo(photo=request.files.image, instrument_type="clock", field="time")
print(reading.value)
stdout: 8:07
